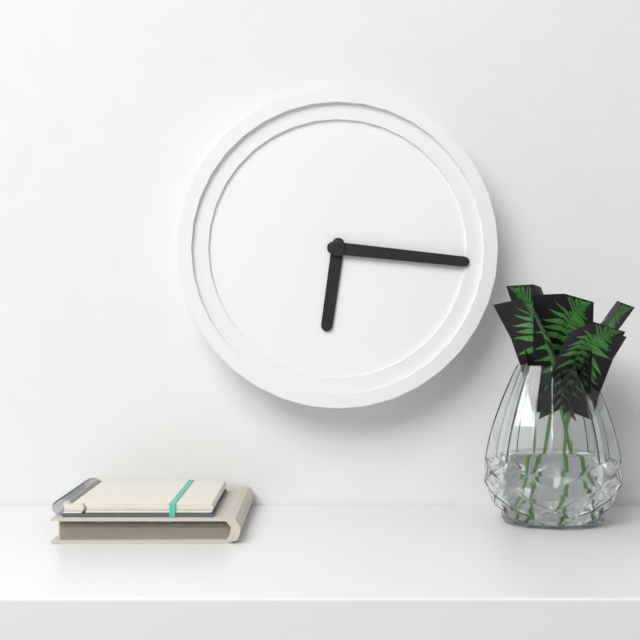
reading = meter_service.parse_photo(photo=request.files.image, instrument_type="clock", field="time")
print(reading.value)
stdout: 6:16
